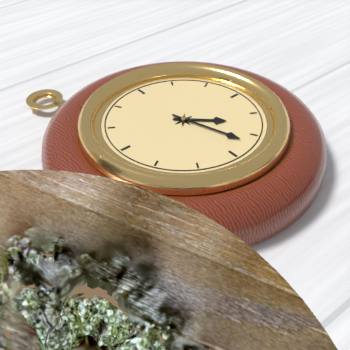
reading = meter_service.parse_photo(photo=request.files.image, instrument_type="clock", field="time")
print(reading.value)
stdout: 4:27
